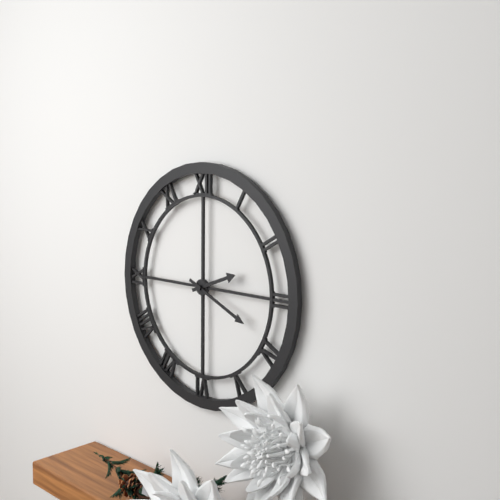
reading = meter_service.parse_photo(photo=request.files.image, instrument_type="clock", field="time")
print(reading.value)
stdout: 2:19
